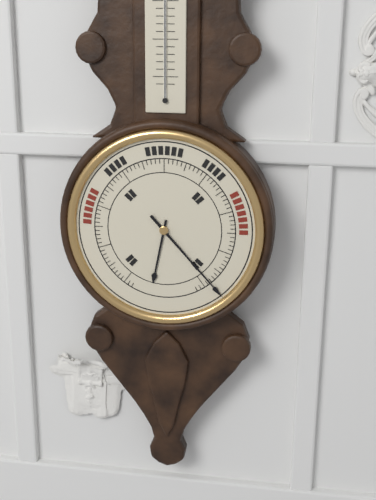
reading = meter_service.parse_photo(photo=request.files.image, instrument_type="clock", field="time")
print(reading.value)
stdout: 6:23
